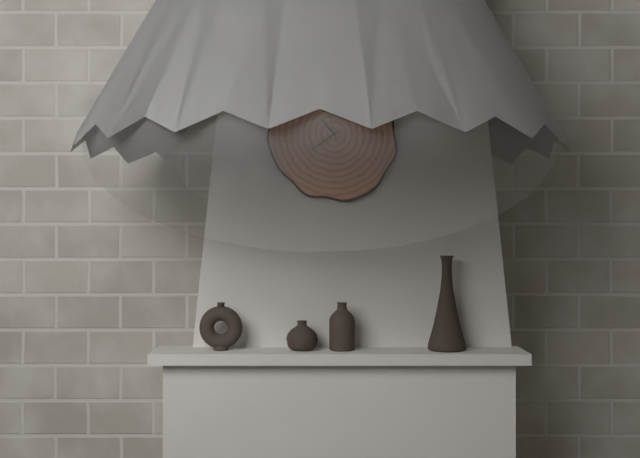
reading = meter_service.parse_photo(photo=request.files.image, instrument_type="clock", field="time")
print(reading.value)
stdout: 10:39
